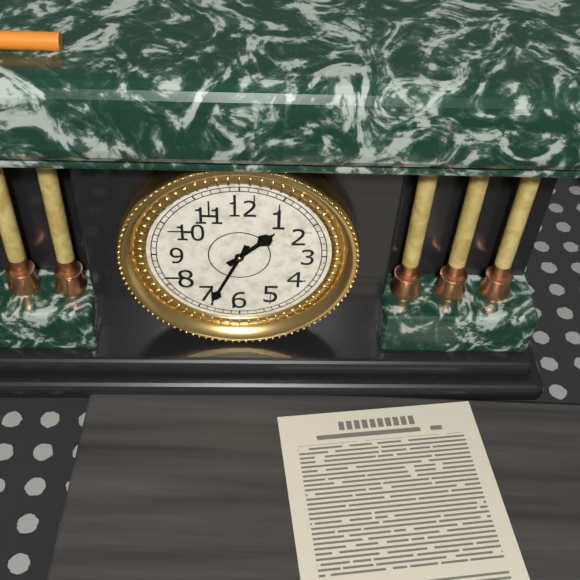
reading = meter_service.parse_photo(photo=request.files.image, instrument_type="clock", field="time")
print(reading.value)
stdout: 1:34
